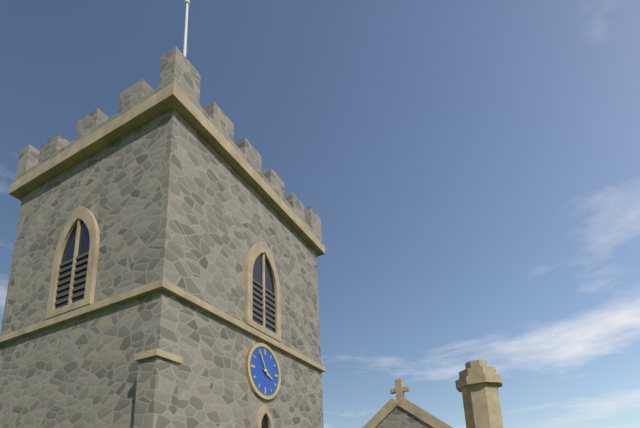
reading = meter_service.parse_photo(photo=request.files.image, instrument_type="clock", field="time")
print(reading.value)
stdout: 3:55
